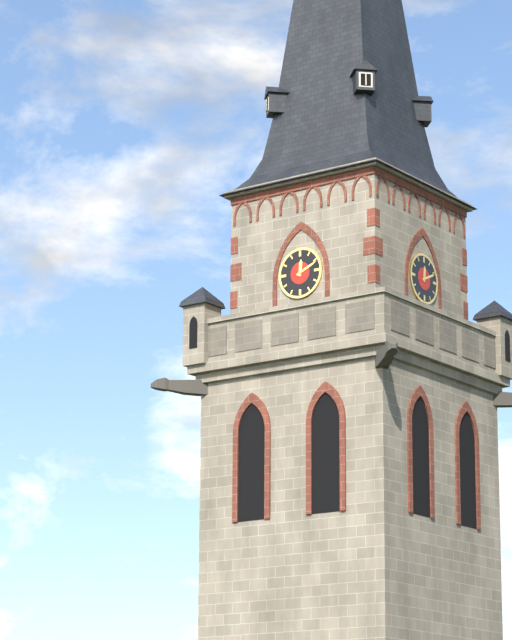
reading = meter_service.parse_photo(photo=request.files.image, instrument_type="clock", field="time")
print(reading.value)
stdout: 12:11
